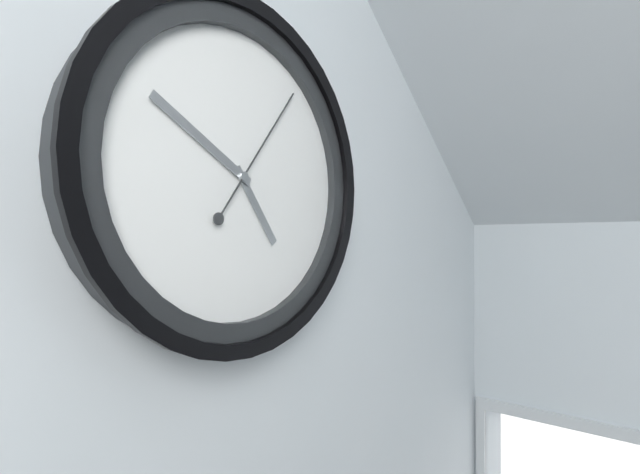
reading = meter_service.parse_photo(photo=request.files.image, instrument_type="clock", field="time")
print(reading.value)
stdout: 4:50:06
